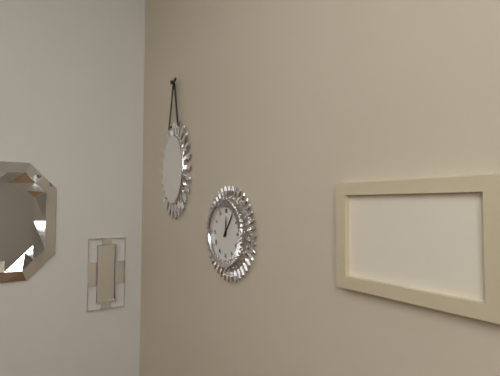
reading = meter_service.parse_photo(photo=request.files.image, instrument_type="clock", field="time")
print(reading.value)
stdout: 12:06
